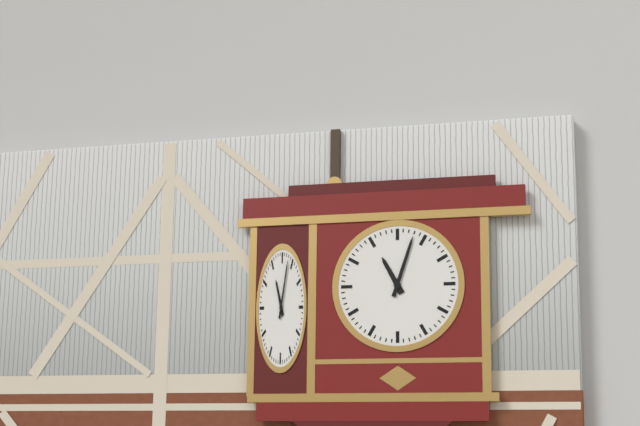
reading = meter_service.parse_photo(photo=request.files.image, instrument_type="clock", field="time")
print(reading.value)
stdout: 11:03
